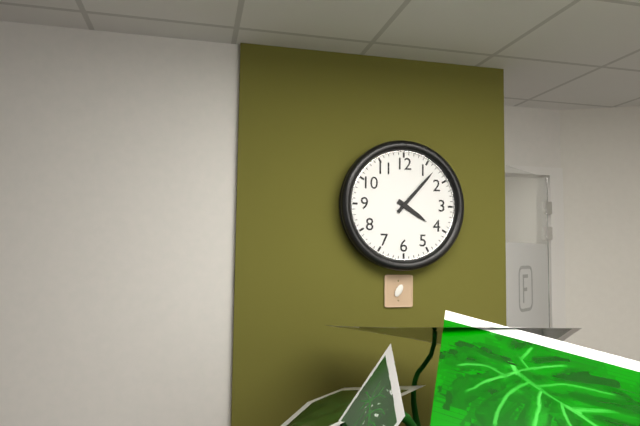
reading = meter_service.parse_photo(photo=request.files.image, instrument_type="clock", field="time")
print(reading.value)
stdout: 4:07
